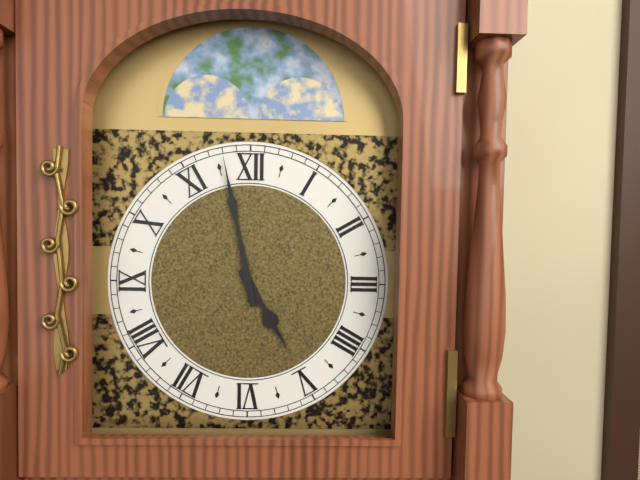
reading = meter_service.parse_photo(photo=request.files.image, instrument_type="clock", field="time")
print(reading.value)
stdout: 4:58
